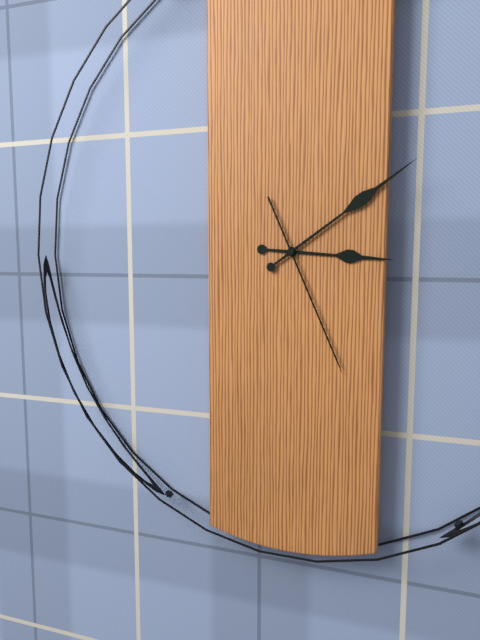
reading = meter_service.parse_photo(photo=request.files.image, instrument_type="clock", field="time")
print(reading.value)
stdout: 3:09:26
